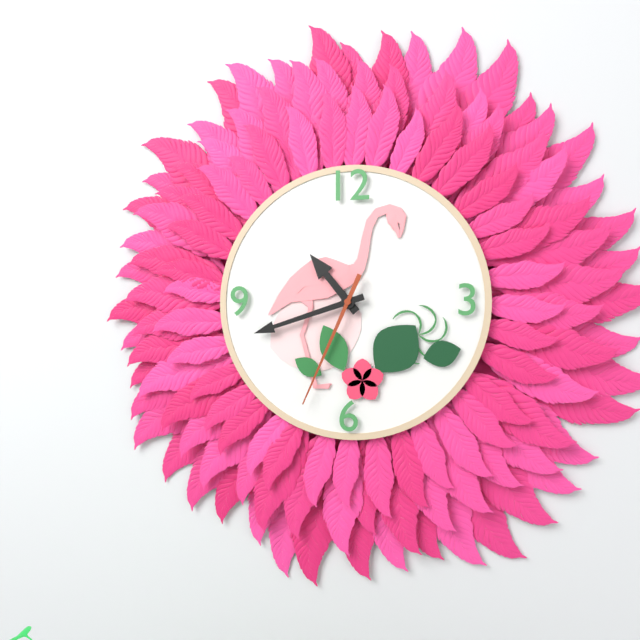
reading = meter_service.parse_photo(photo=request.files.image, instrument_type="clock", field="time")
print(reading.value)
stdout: 10:42:34
